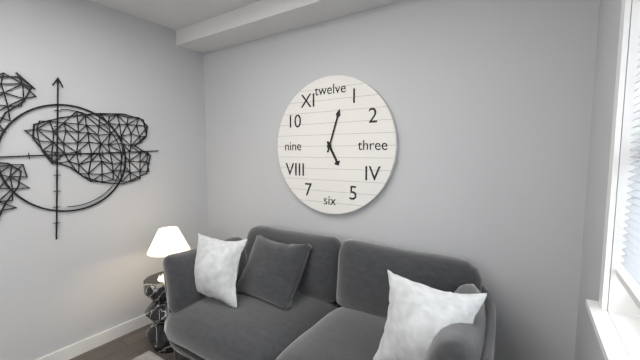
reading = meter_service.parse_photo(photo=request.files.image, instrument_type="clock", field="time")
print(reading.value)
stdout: 5:03
